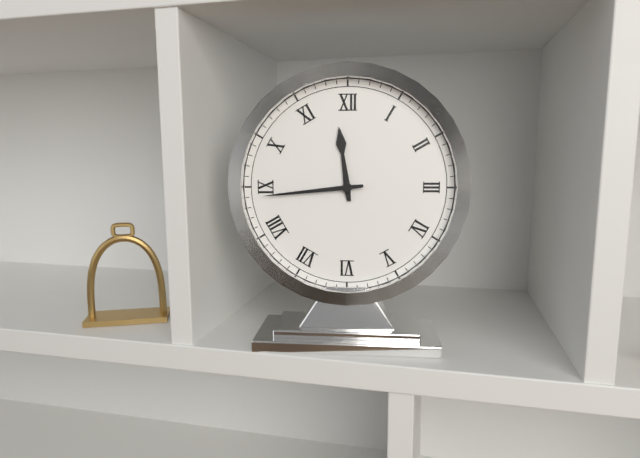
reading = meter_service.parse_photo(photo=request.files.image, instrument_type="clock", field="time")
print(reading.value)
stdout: 11:44
